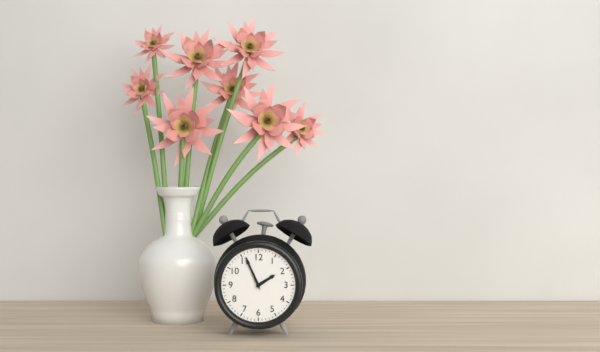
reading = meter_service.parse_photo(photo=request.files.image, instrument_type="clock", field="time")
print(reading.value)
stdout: 1:56
